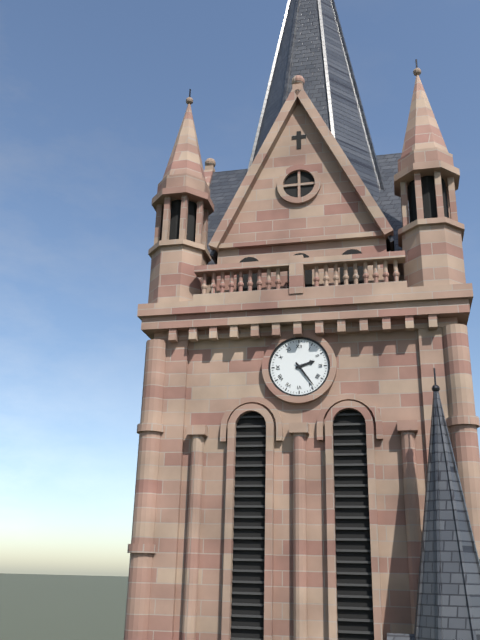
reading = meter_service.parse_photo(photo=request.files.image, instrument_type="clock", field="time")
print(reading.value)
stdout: 2:24
